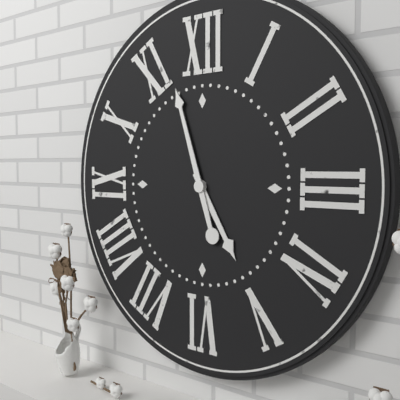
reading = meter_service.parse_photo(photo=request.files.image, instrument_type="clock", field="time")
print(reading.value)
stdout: 4:57
